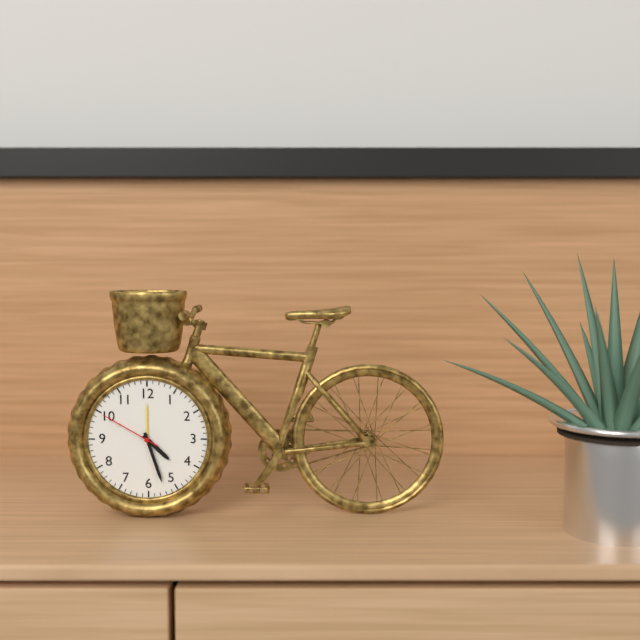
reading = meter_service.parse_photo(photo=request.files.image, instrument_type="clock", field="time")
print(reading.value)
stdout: 4:27:50
